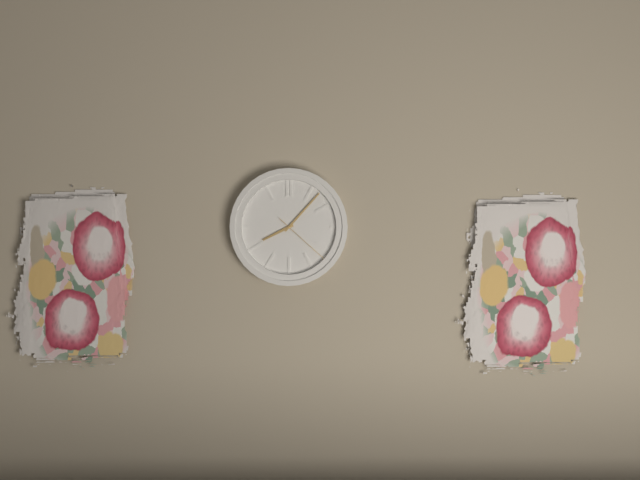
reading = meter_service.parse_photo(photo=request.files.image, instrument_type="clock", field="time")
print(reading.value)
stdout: 8:07:22
